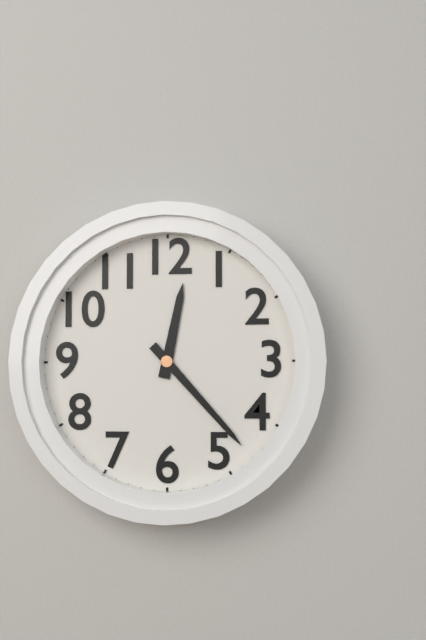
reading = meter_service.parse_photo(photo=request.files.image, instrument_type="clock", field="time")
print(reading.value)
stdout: 12:23
